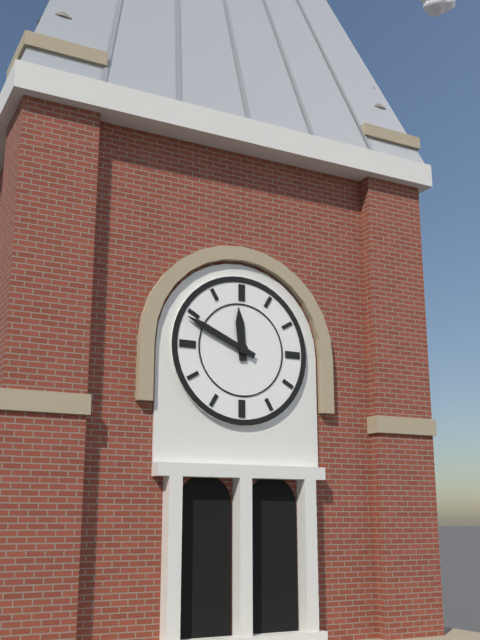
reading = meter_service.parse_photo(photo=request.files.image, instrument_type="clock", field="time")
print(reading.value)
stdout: 11:49
